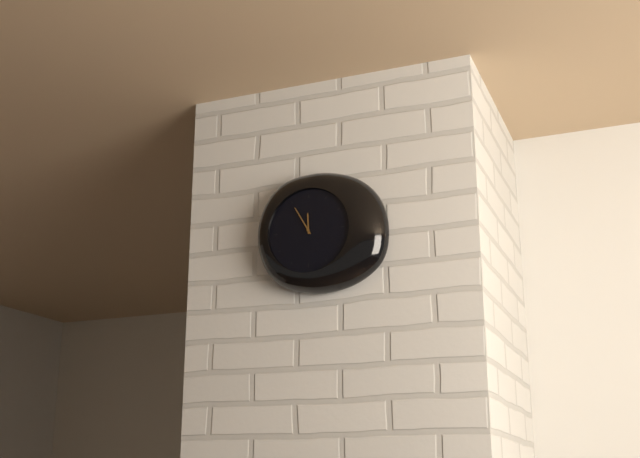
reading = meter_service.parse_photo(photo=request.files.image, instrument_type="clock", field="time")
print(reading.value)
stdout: 11:55
